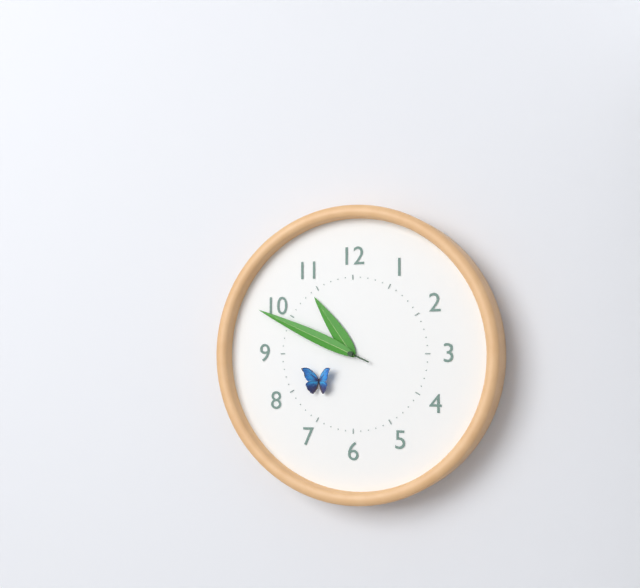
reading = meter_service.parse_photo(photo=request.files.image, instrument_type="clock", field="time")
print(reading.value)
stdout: 10:49
